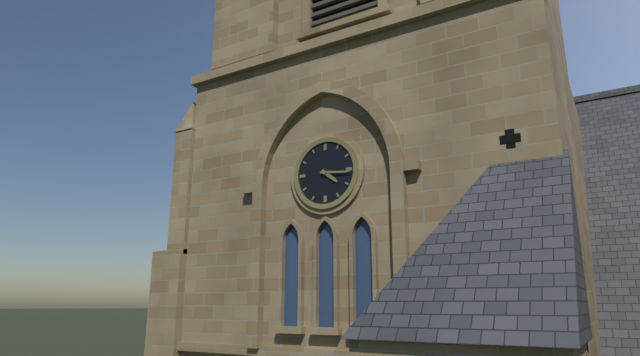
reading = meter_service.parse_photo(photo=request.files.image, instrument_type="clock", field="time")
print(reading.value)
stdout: 4:16
